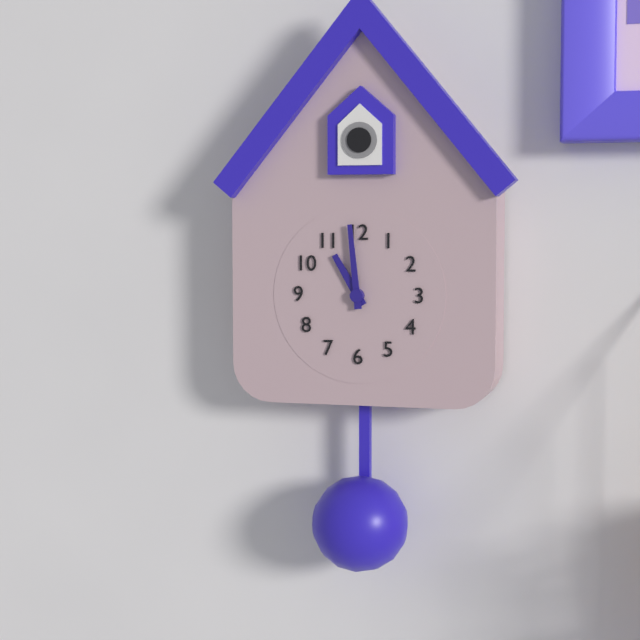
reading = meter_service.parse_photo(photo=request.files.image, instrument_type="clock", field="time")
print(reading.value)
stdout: 10:59
